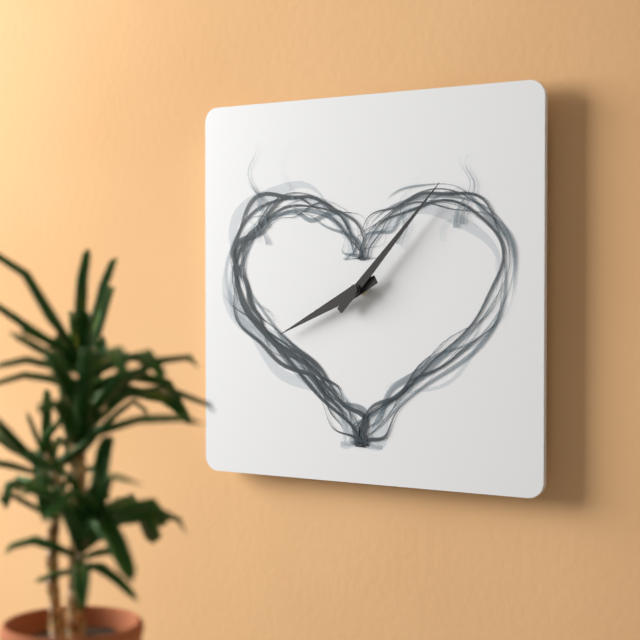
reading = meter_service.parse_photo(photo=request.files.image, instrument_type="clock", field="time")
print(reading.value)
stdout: 8:07
